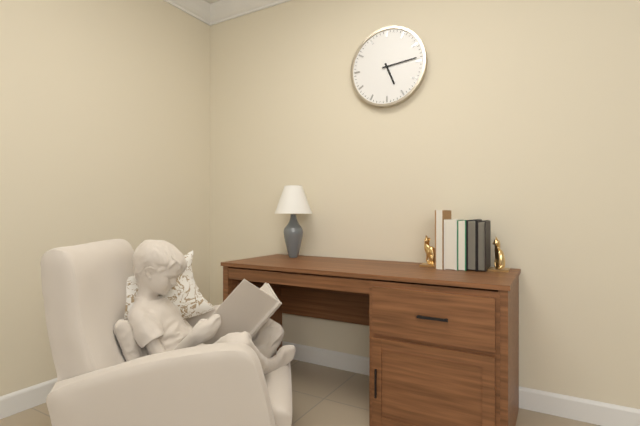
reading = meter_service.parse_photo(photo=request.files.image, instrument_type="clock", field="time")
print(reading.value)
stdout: 5:14
